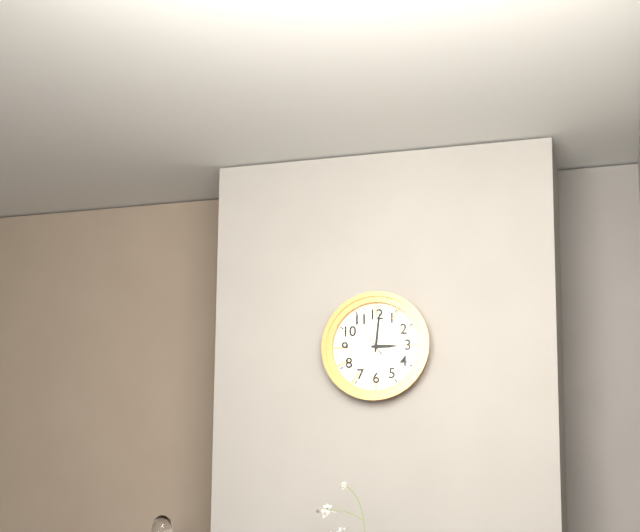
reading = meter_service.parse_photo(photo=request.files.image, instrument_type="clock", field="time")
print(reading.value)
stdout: 3:01
